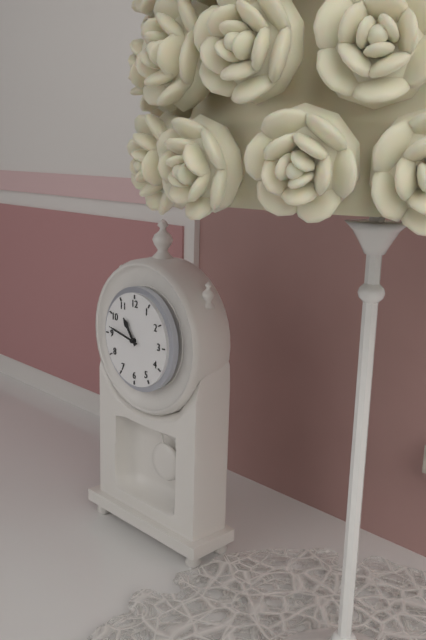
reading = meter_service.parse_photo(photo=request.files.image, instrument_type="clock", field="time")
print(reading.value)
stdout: 10:47
